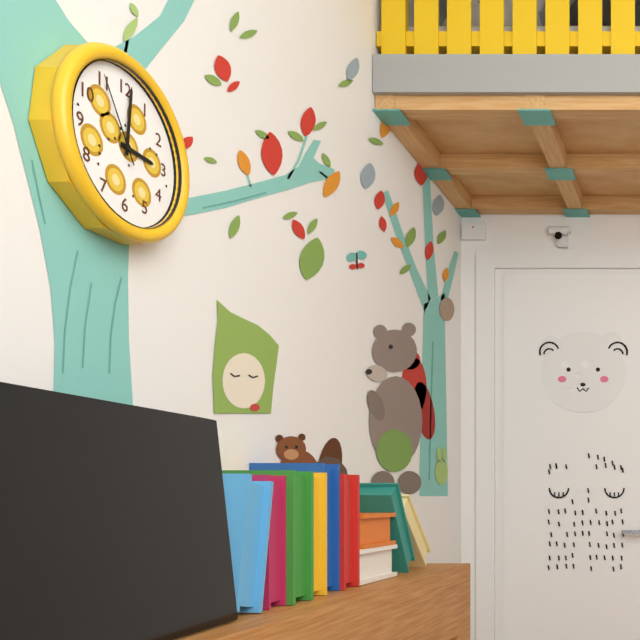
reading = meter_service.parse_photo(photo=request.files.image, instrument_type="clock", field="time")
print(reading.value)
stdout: 3:01:55
